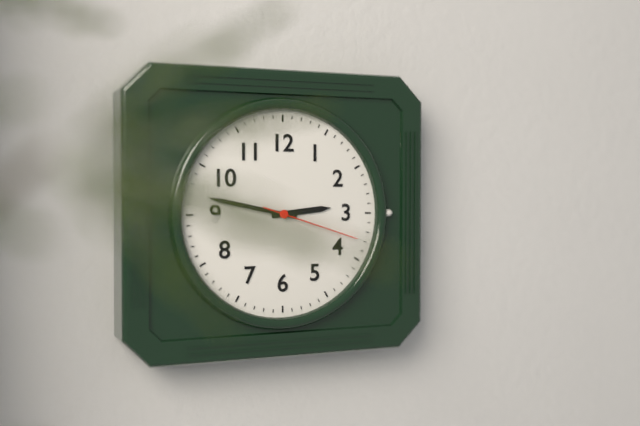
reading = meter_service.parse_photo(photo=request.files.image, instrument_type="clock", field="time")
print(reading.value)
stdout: 2:47:18
